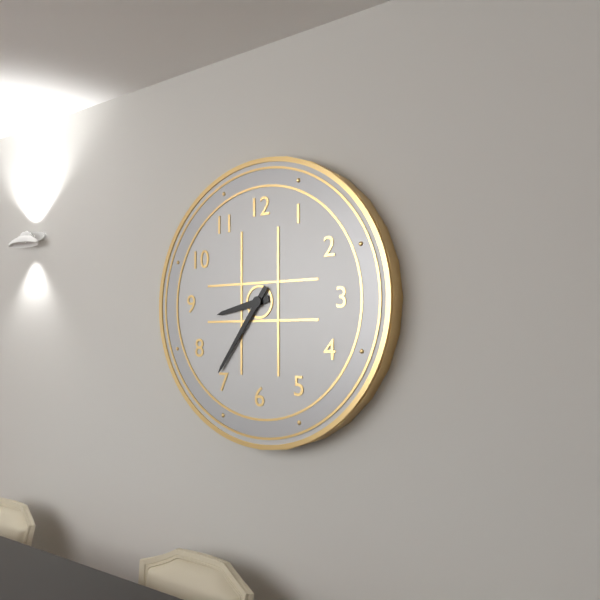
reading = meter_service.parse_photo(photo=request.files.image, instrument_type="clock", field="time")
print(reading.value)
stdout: 8:36
